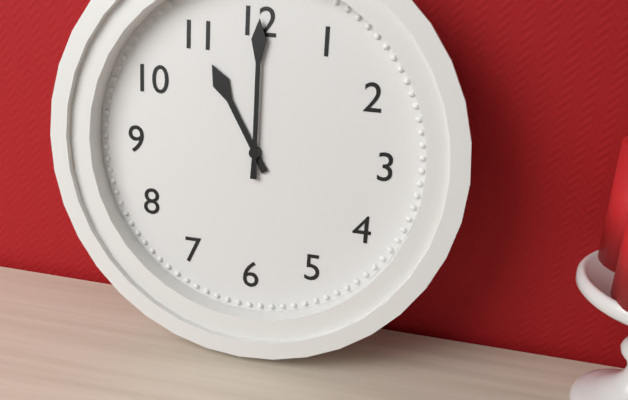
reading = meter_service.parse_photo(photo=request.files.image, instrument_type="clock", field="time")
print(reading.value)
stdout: 11:00
